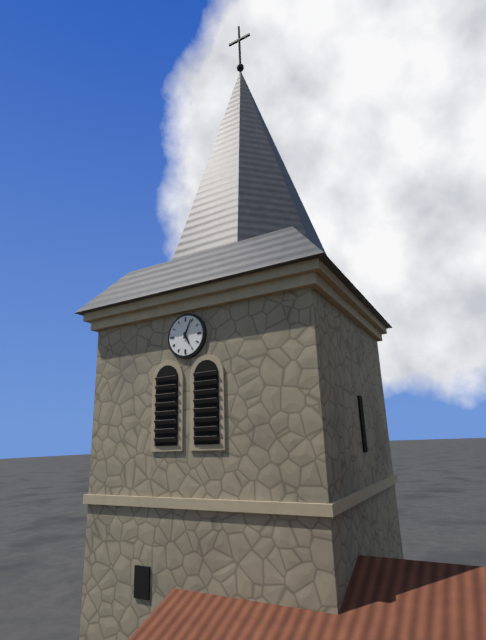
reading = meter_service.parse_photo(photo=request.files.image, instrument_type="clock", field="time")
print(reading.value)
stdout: 5:04
